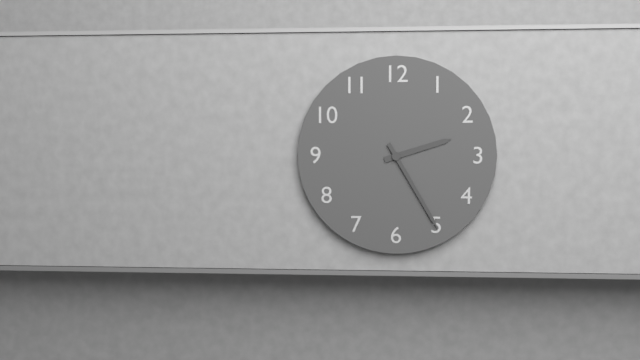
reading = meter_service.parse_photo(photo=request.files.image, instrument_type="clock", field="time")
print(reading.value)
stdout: 2:25
